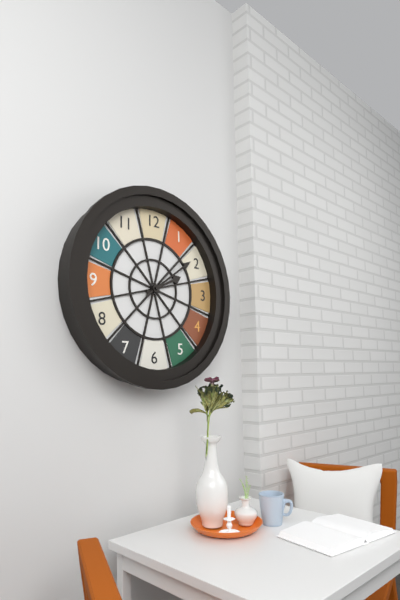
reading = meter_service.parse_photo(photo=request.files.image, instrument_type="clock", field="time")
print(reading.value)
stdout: 2:09
